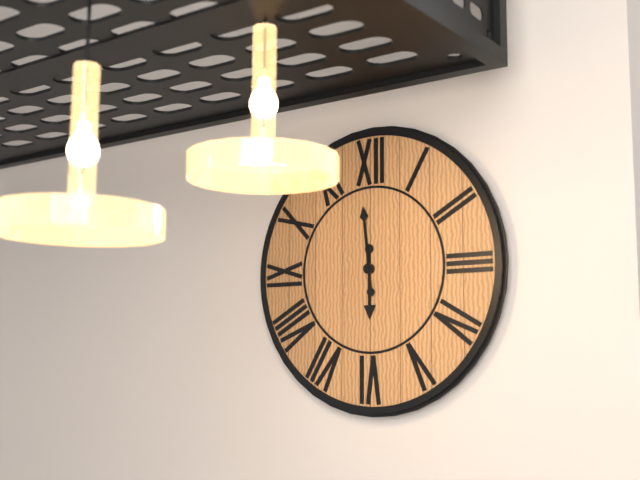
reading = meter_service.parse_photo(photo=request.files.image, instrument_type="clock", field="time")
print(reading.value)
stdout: 5:59
